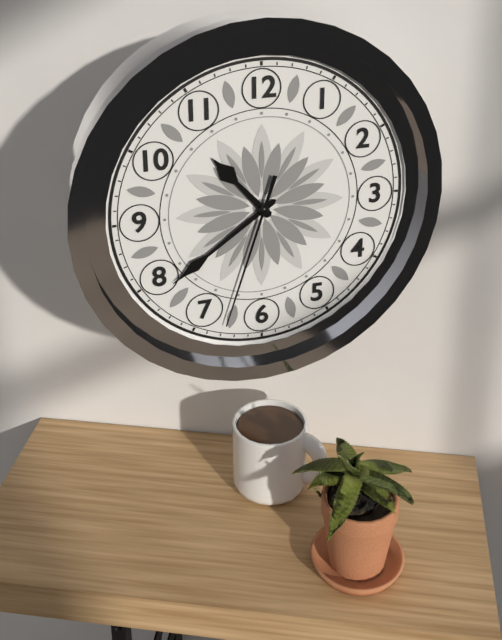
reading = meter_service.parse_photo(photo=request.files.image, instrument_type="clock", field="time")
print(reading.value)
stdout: 10:39:33
